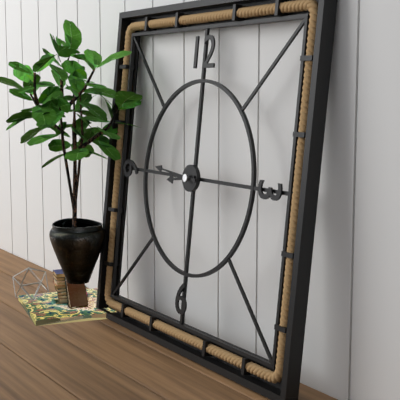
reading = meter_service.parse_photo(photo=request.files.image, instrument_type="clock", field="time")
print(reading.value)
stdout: 8:46
